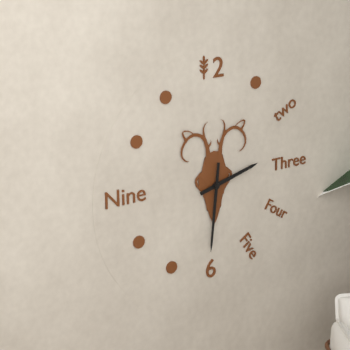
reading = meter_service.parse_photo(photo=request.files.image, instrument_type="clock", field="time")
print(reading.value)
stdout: 2:31
